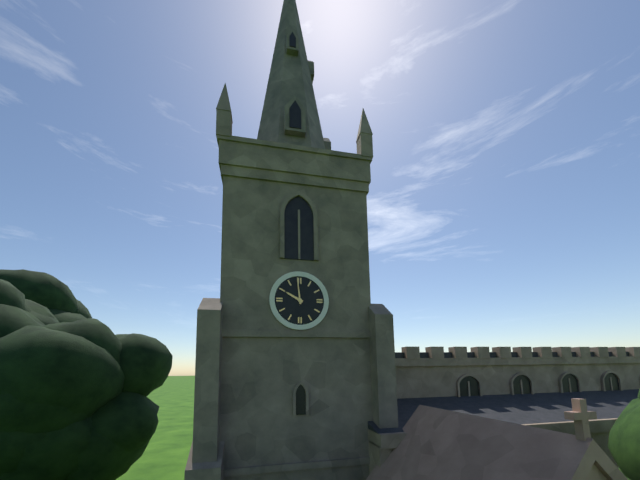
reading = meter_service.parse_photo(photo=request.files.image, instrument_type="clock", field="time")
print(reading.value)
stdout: 9:59
